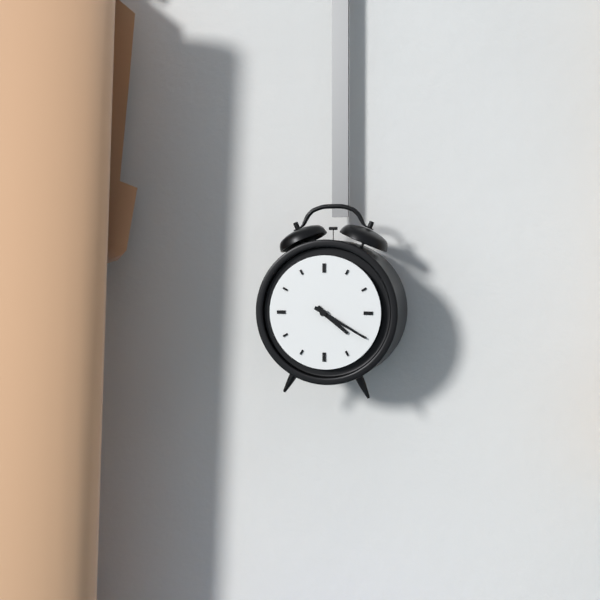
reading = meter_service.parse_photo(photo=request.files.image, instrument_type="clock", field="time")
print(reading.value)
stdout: 4:20
